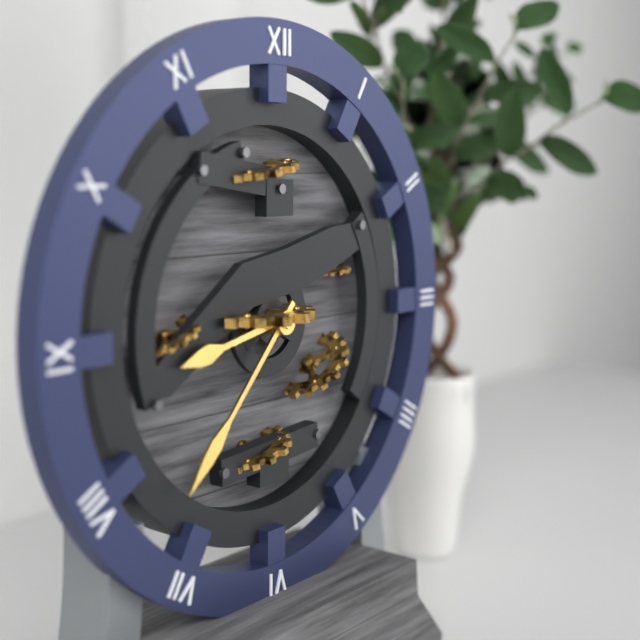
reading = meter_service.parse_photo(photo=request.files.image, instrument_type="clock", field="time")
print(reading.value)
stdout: 8:37
